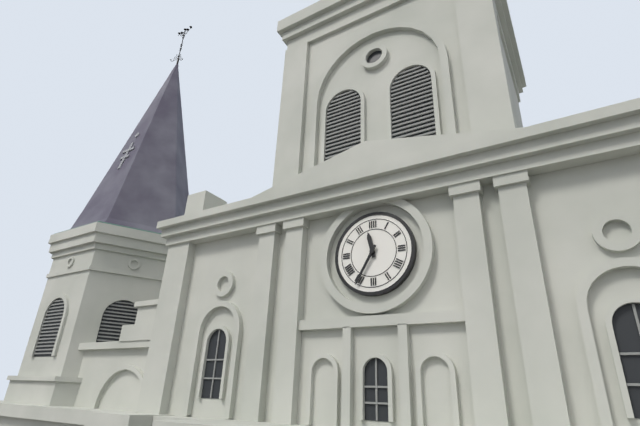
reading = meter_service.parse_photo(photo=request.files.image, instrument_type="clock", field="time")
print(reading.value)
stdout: 11:35
